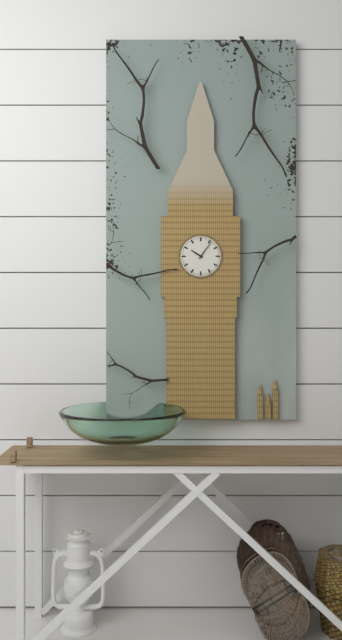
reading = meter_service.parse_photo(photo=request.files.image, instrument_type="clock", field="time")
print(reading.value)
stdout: 10:06
